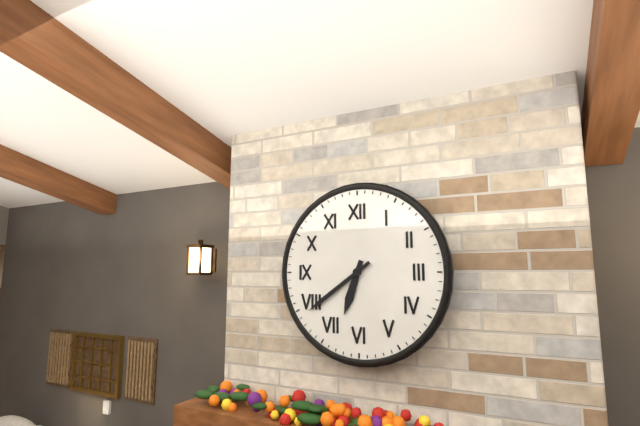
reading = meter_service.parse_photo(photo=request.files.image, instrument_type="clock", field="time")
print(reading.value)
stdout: 6:39
